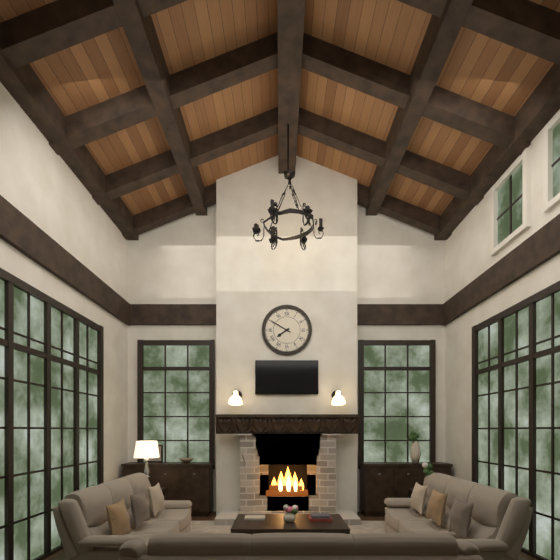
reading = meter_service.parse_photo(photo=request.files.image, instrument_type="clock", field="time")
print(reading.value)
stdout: 7:50
